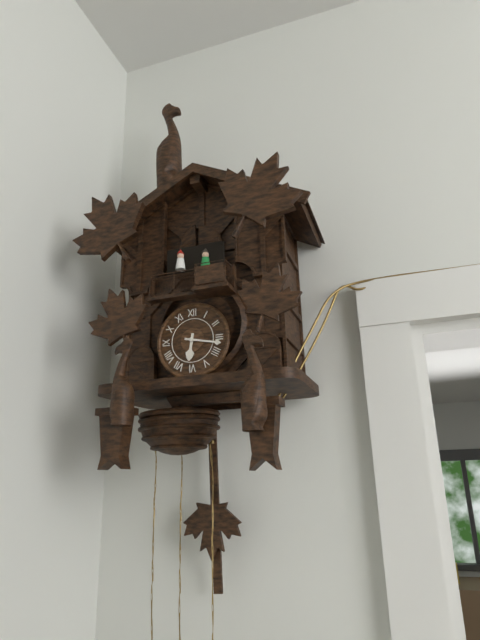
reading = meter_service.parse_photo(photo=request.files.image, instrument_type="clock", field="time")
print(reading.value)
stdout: 6:17
